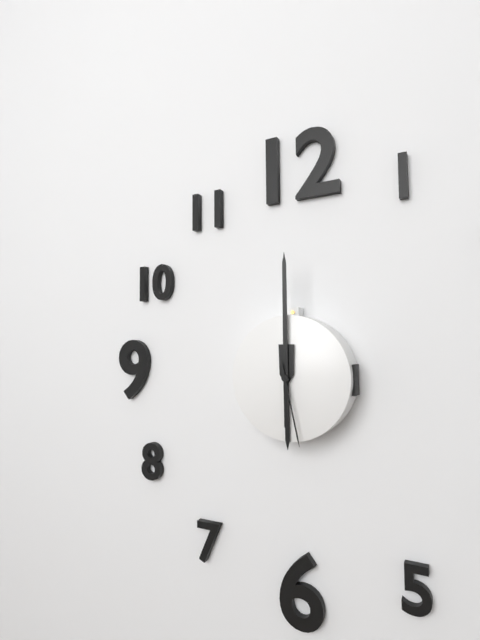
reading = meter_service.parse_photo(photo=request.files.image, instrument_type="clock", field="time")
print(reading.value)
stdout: 6:00:28
